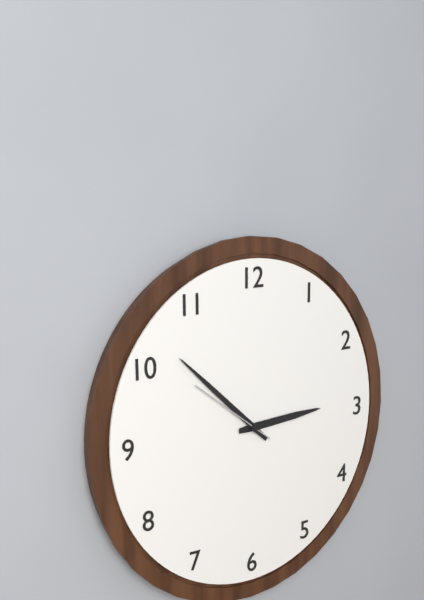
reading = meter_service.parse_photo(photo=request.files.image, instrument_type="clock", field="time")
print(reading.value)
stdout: 2:52:51
